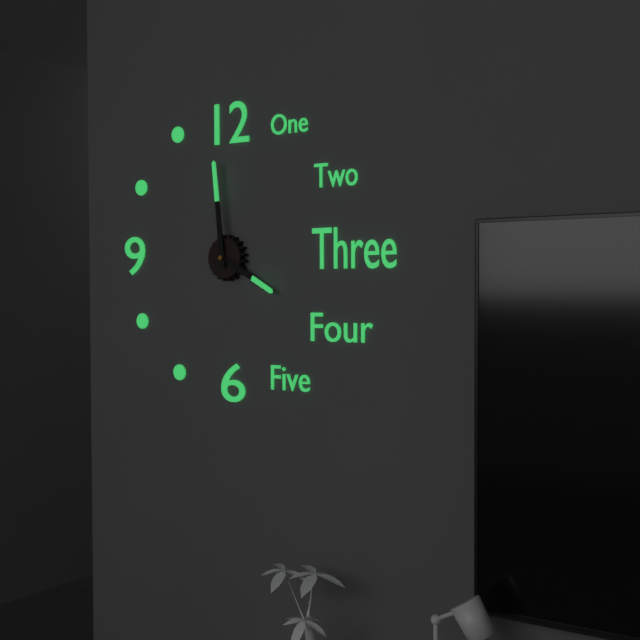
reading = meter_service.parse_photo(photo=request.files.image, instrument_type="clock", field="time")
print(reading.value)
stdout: 3:59
